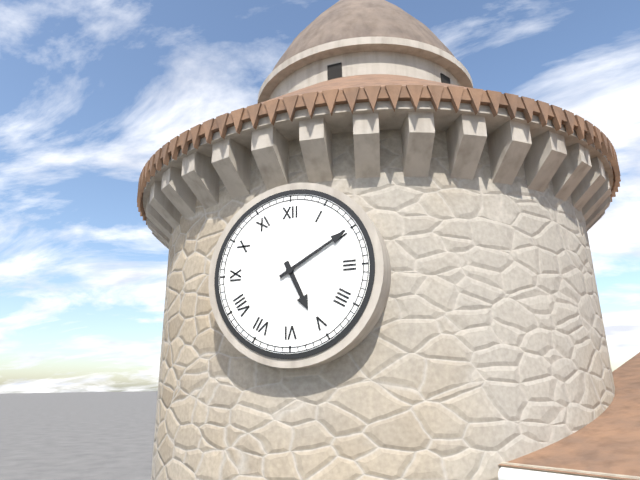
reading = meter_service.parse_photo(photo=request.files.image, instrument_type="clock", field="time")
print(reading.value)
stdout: 5:10
